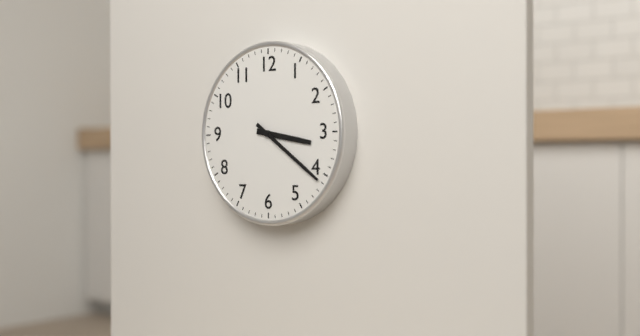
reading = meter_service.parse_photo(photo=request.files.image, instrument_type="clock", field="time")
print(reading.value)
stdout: 3:21
